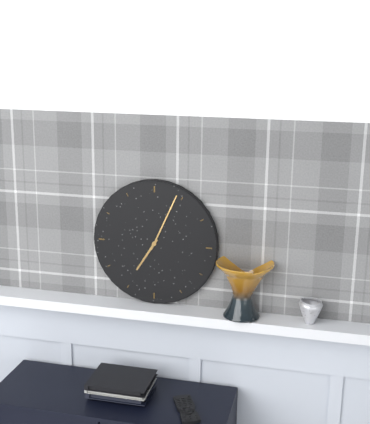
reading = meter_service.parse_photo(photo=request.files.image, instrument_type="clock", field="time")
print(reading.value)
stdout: 7:04
